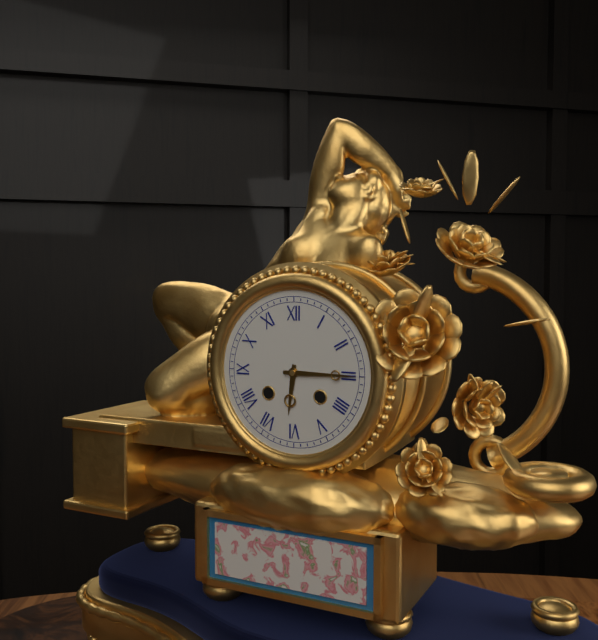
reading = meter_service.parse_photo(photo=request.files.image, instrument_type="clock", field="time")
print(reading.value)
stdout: 6:15
